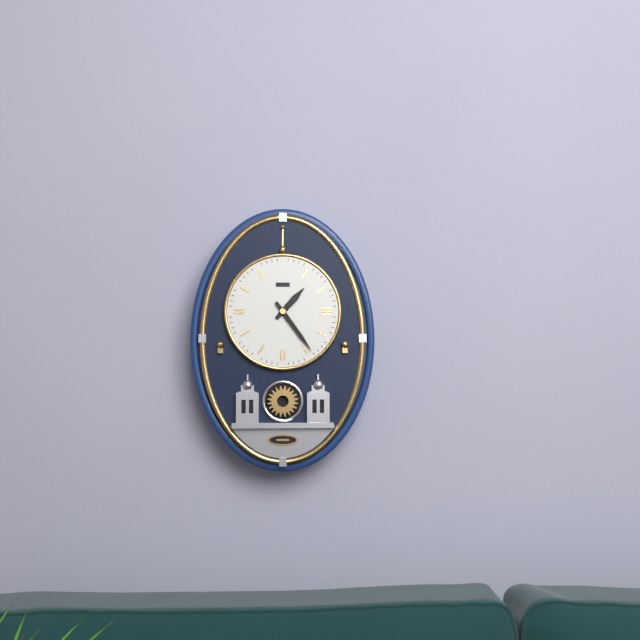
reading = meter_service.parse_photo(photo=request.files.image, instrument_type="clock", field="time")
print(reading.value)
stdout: 1:24
